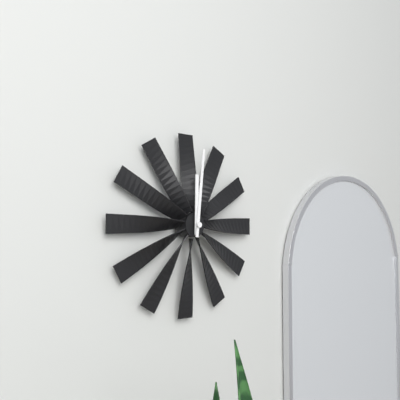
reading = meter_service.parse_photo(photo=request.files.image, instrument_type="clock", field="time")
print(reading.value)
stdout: 12:01
